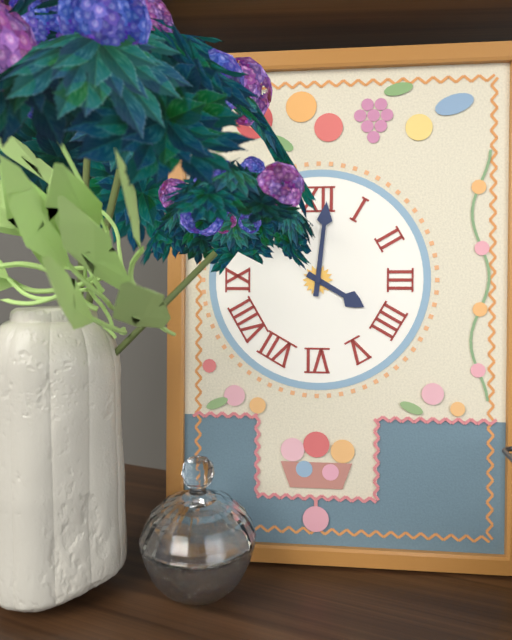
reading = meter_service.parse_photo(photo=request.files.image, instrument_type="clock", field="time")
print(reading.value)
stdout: 4:01
